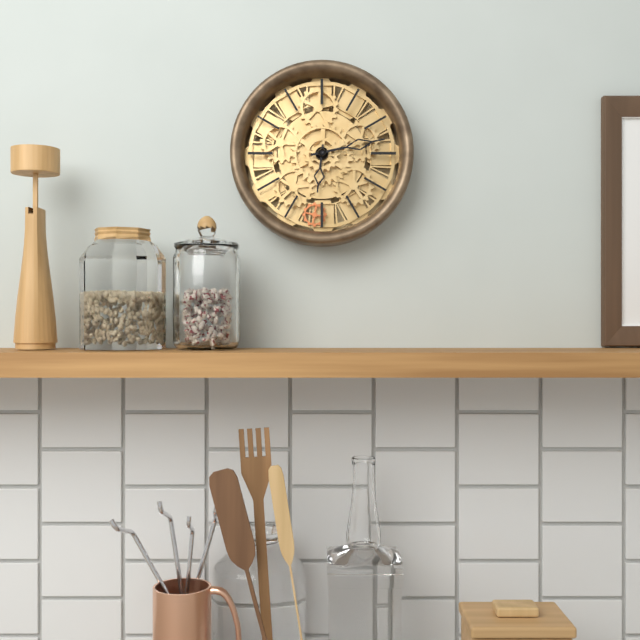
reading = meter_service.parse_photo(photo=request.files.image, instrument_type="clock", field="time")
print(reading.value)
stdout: 6:13
